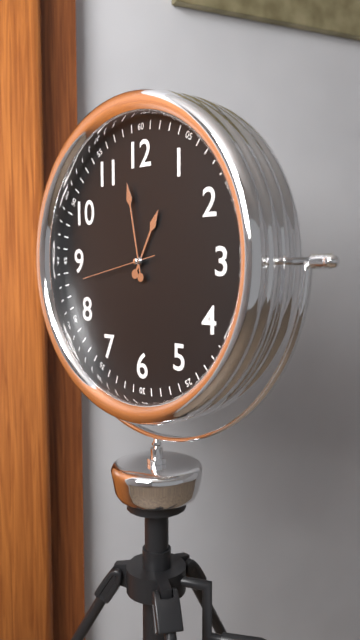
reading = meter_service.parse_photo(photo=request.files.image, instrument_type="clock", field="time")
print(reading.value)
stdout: 12:58:43
